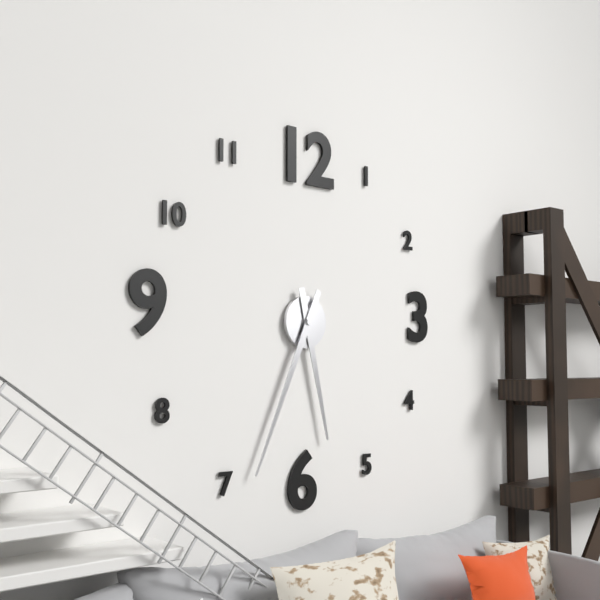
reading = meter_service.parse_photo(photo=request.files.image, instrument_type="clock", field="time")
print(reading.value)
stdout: 5:34
